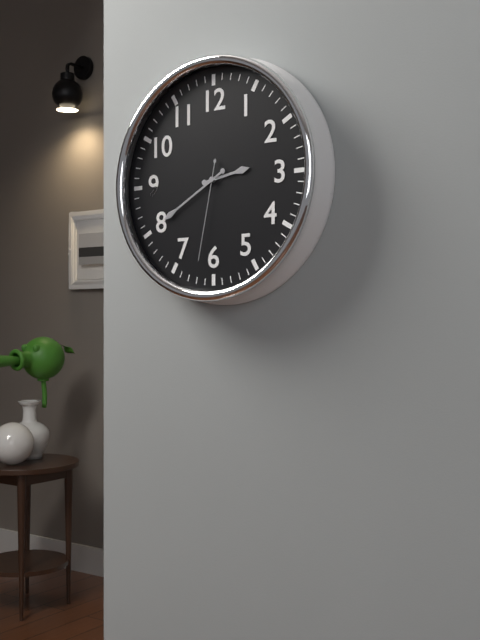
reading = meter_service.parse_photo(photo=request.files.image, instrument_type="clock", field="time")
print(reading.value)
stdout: 2:40:32
